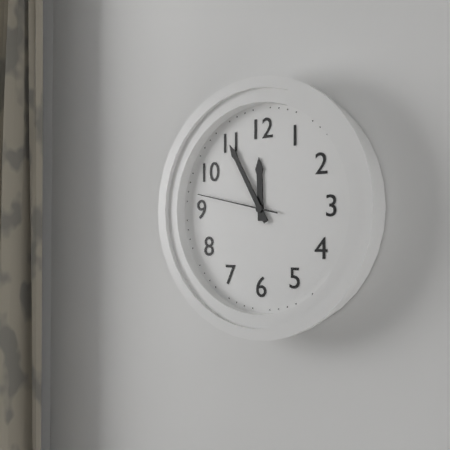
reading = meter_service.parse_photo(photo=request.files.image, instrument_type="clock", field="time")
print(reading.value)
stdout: 11:55:47
